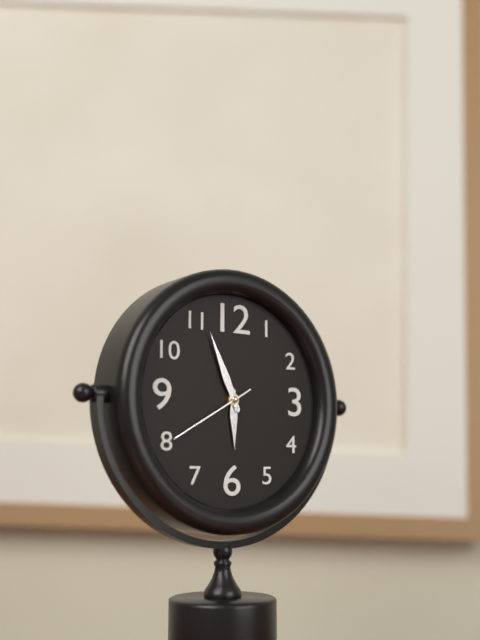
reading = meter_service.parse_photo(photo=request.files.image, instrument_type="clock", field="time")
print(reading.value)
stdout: 5:56:40
